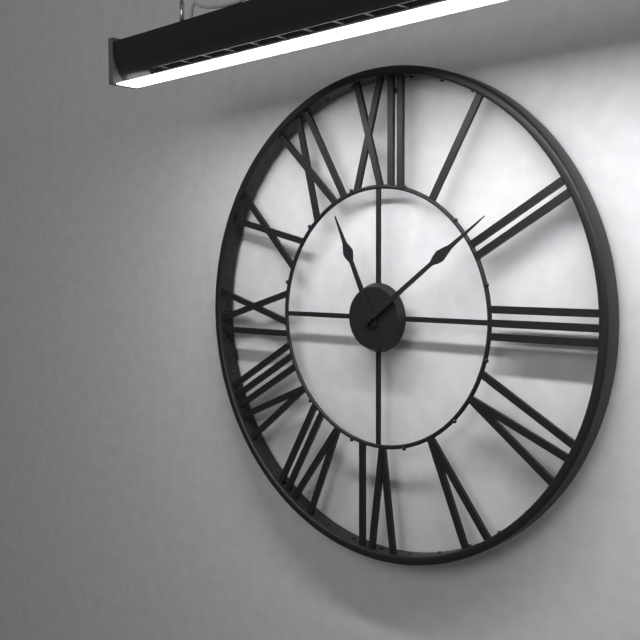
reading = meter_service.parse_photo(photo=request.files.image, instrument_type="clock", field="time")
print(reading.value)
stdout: 11:09
